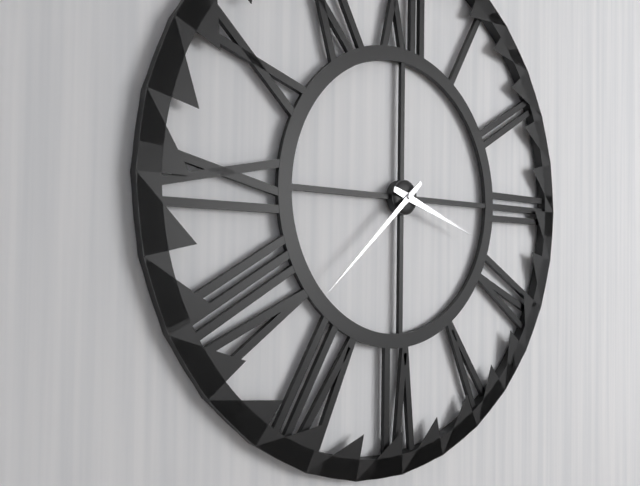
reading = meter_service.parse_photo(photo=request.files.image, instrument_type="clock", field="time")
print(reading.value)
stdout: 3:38
